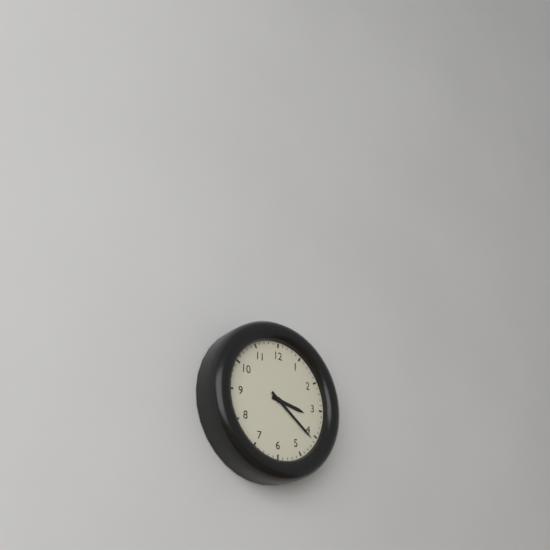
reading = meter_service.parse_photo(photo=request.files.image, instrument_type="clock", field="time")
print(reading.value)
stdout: 3:21
